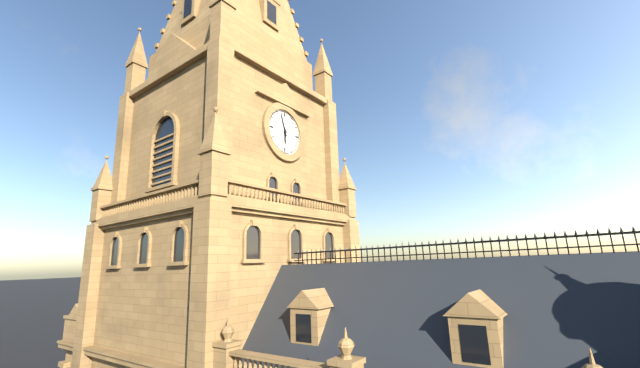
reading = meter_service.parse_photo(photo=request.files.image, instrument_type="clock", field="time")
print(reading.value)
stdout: 5:57
